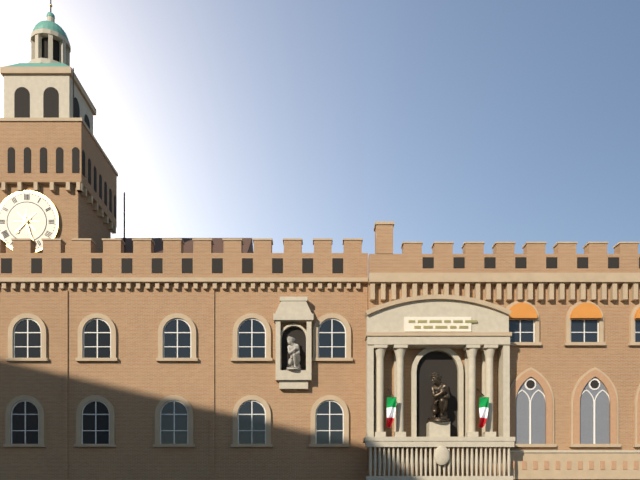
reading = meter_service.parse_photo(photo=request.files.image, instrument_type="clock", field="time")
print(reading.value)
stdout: 7:27
